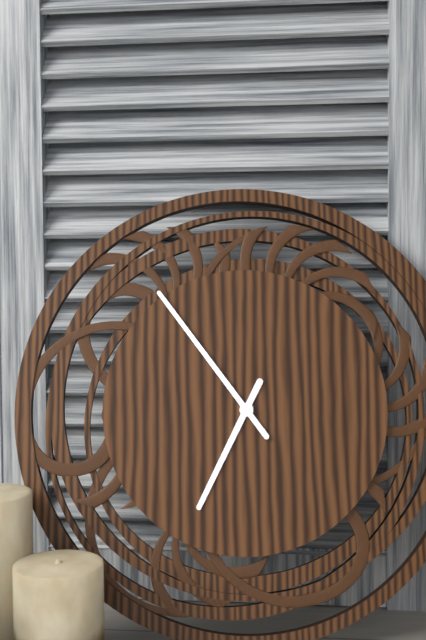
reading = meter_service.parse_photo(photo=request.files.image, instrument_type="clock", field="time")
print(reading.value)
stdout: 6:54
